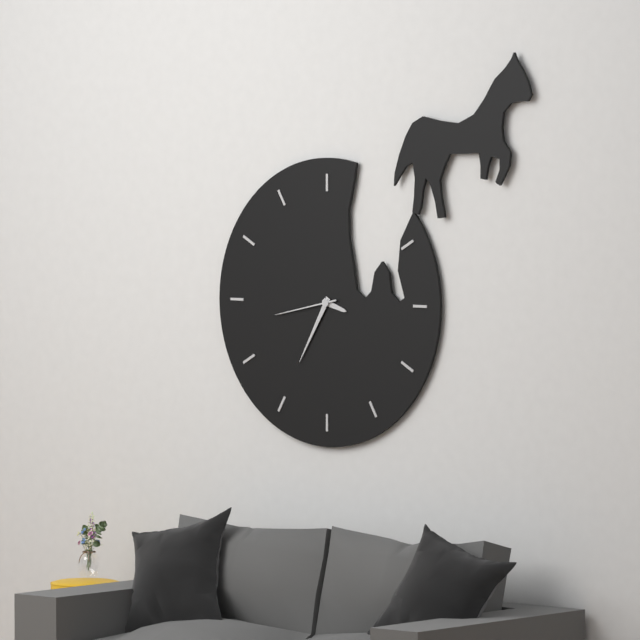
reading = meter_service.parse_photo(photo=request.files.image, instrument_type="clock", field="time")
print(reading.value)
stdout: 3:35:43
